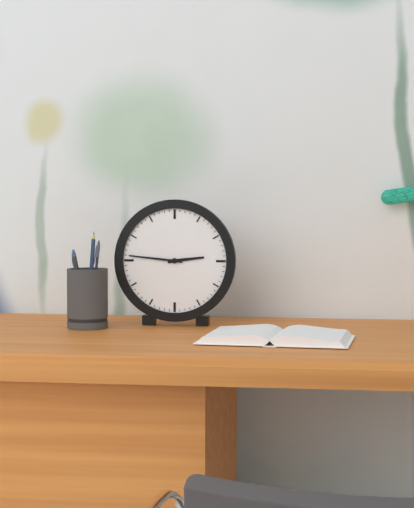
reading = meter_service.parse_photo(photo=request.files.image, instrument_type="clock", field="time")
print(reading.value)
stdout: 2:46
